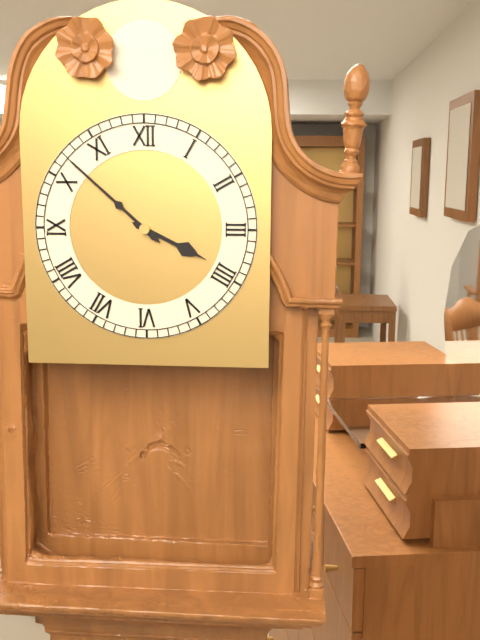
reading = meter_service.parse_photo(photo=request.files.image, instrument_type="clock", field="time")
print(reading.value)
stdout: 3:52
